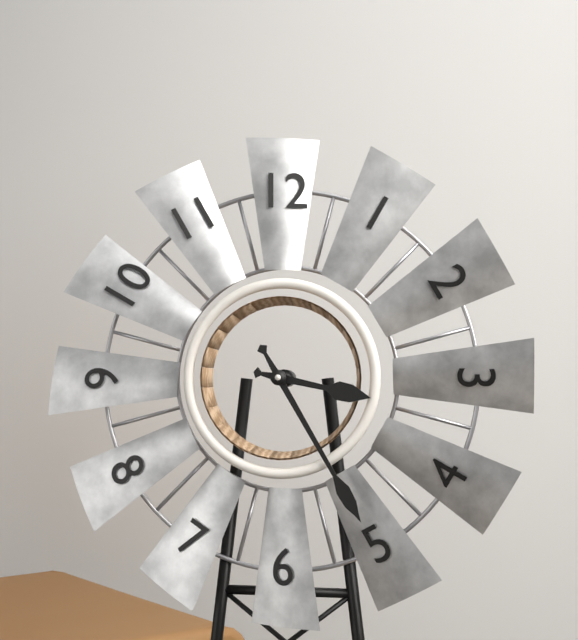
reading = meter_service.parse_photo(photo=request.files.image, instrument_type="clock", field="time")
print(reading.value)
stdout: 3:25
